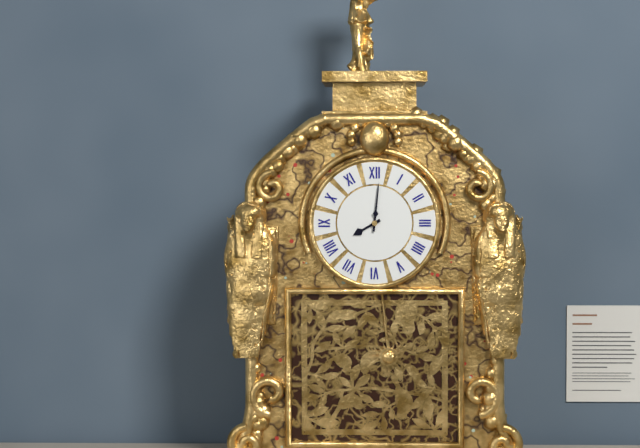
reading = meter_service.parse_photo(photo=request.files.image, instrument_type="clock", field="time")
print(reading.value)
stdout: 8:01
